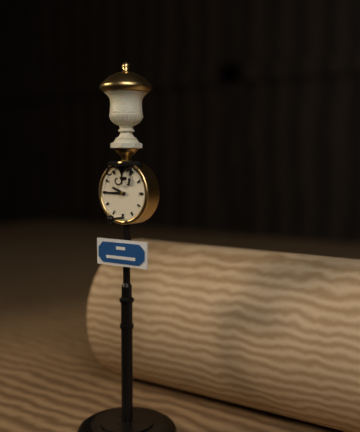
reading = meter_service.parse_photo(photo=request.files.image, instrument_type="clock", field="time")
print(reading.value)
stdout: 9:45
